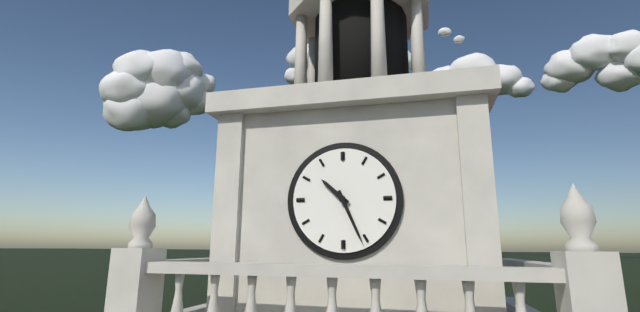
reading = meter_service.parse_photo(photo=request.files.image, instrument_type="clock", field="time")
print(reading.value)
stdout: 10:26
